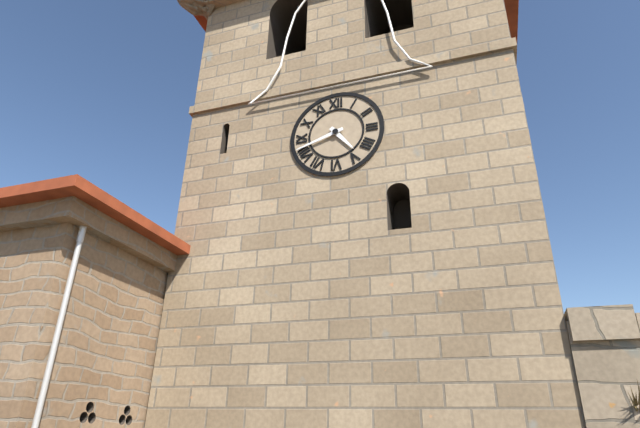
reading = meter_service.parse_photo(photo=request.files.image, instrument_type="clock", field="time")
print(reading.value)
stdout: 4:42
